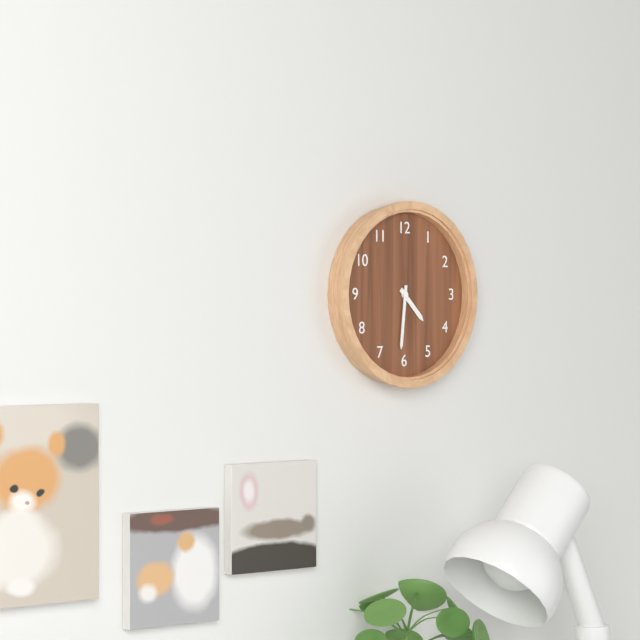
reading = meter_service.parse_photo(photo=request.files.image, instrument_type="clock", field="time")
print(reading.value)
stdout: 4:31
